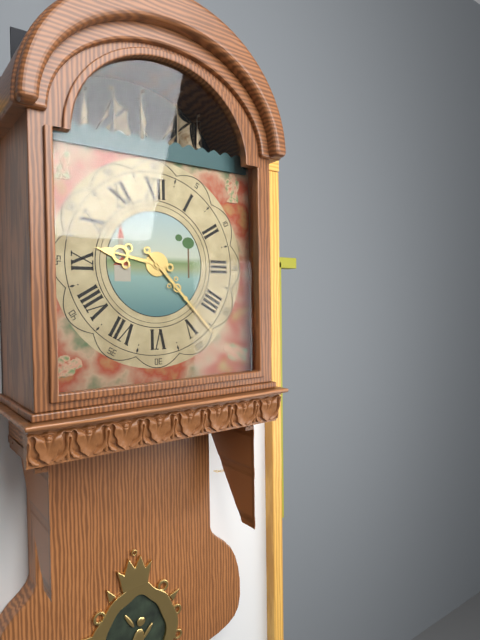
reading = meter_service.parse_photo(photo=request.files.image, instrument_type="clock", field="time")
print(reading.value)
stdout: 9:23
